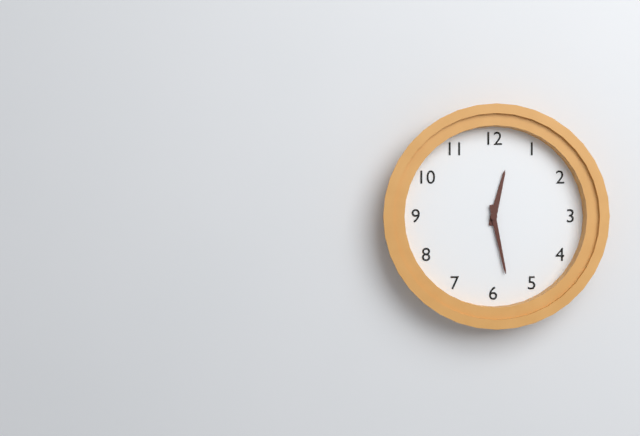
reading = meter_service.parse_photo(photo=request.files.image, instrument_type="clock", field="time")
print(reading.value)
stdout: 12:28
